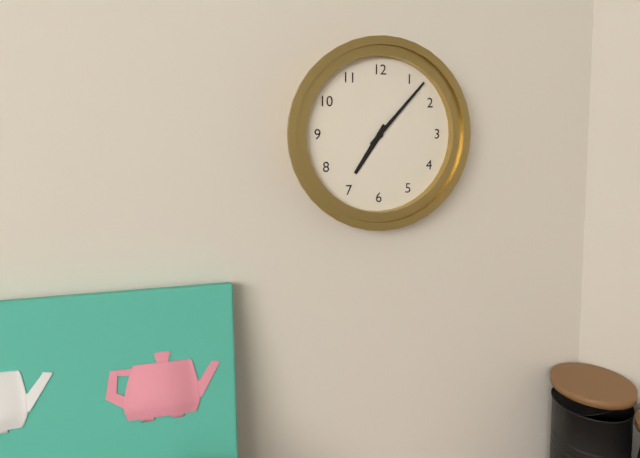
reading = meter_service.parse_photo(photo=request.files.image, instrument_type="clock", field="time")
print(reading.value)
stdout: 7:07
